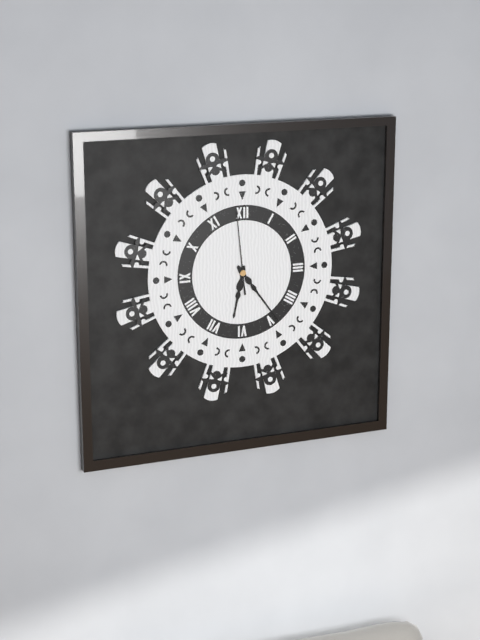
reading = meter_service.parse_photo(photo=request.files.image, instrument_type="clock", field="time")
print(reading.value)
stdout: 6:24:59
